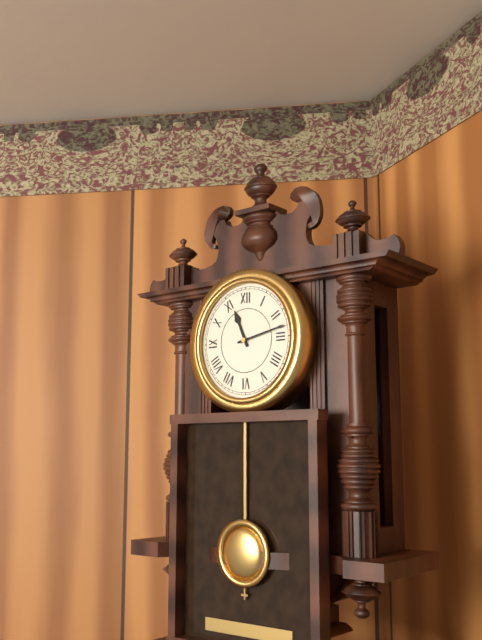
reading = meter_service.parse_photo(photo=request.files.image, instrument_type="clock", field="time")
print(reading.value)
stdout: 11:13
